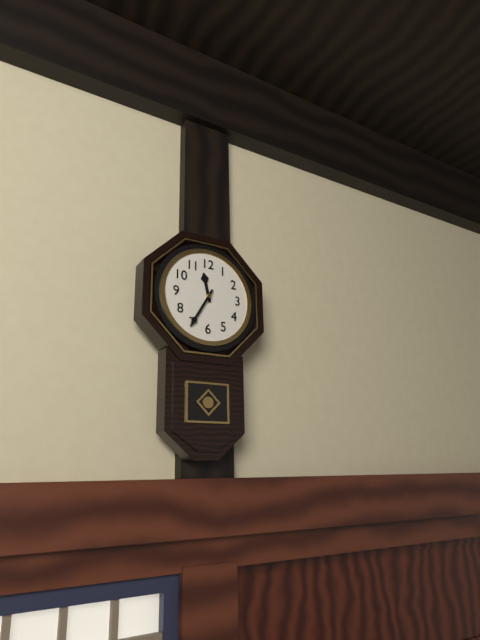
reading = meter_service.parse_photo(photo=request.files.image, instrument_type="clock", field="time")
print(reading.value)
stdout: 11:35
